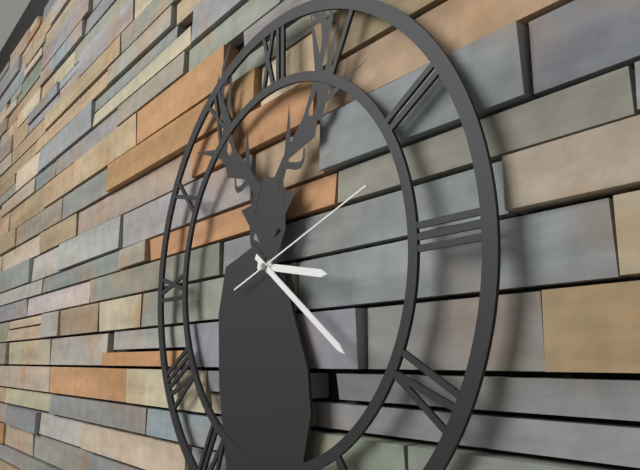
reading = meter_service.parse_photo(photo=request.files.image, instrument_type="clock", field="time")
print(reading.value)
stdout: 3:21:12
